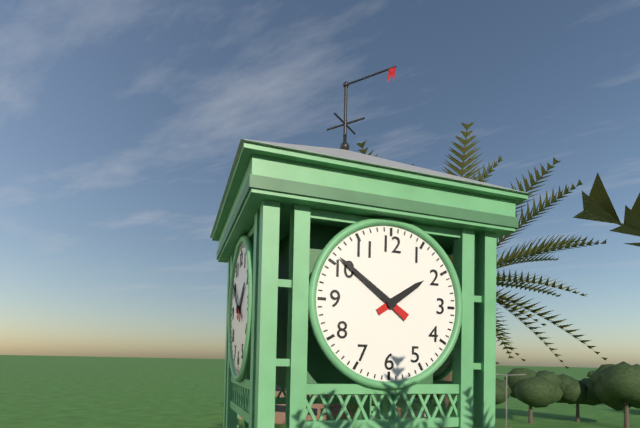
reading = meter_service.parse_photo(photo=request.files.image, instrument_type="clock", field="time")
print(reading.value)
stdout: 1:51
